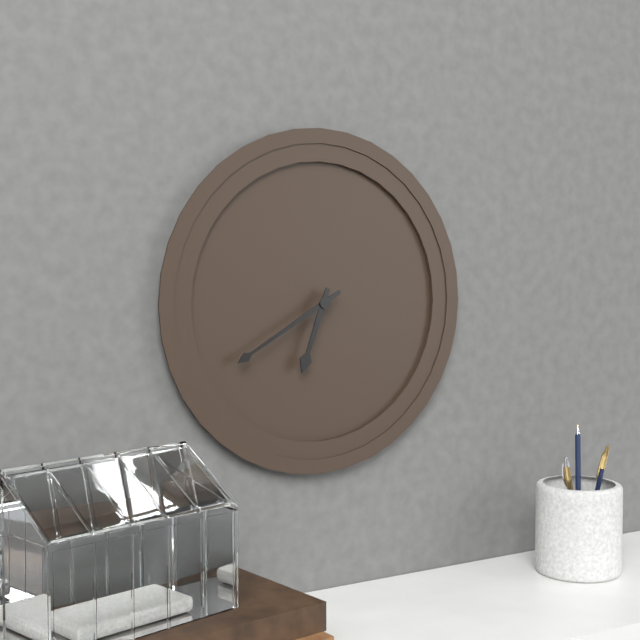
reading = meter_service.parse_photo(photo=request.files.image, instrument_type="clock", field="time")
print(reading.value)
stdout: 6:40
